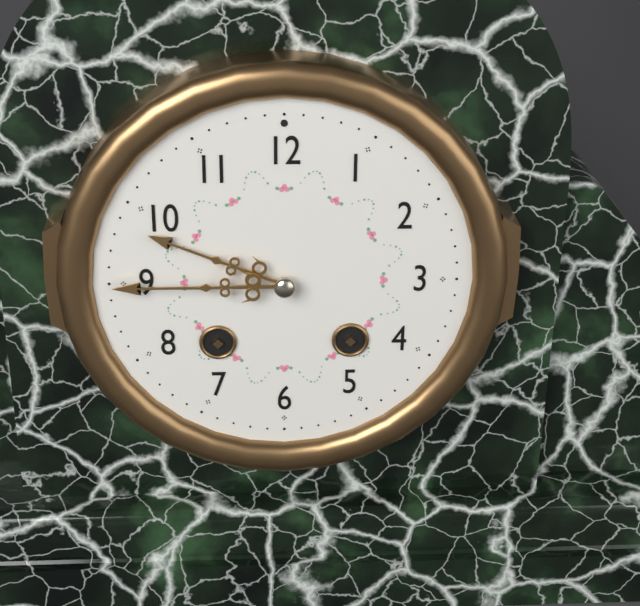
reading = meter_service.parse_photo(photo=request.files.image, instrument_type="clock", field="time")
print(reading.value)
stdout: 9:45
